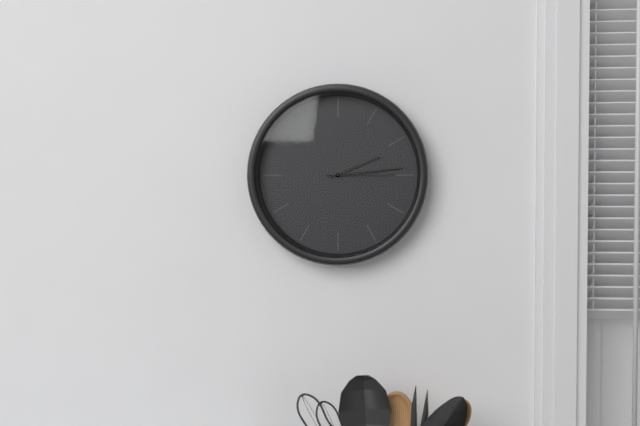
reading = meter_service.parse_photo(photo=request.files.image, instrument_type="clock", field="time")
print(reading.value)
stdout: 2:14:15
